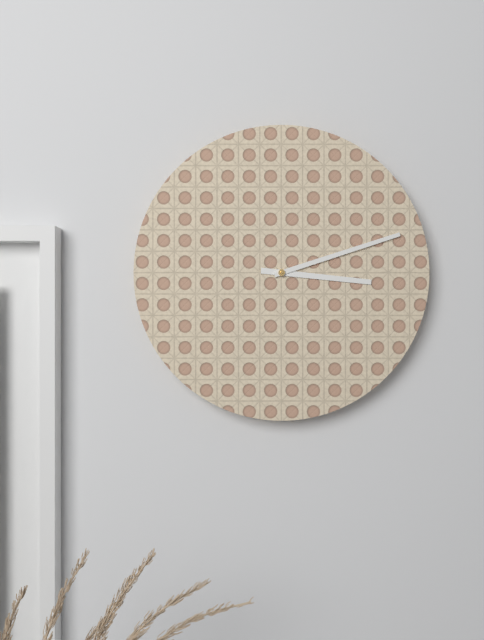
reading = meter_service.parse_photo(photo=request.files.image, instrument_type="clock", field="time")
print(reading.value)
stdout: 3:12
